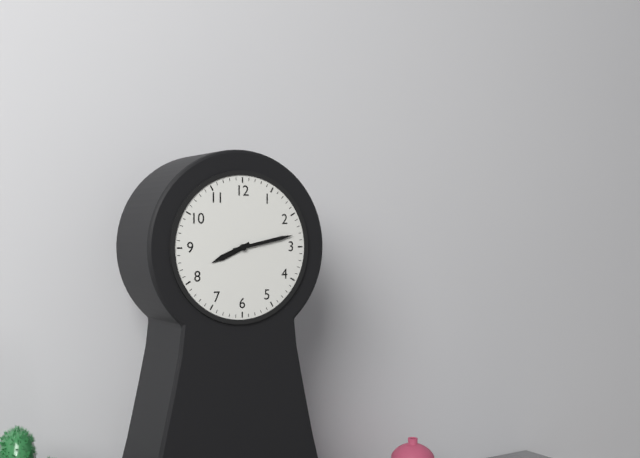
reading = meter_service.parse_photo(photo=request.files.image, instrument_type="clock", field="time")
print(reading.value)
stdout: 8:13
